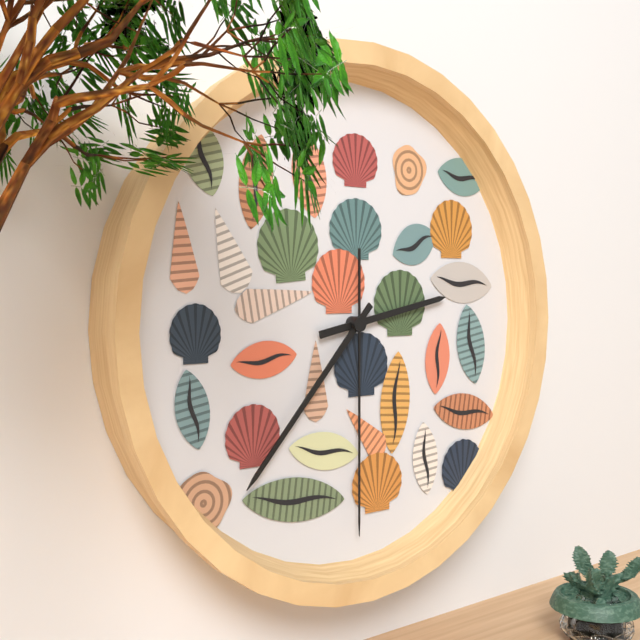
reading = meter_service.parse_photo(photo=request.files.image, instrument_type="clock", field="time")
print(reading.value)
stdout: 2:37:30
